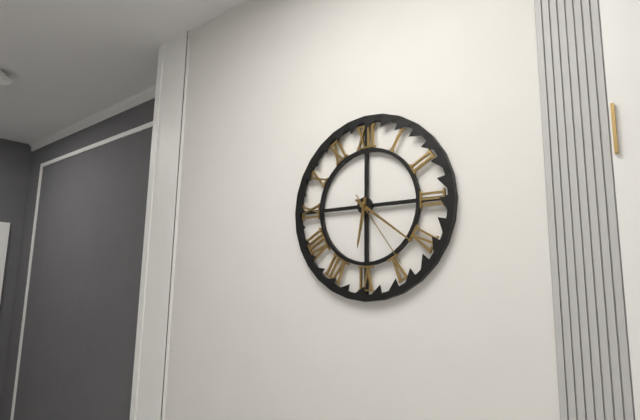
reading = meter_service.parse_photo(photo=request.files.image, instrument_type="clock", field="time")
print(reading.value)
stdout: 6:21:24
